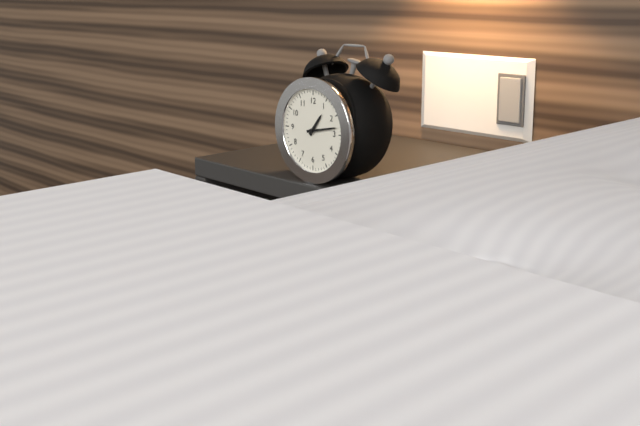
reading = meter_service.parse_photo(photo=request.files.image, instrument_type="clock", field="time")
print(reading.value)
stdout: 1:13
